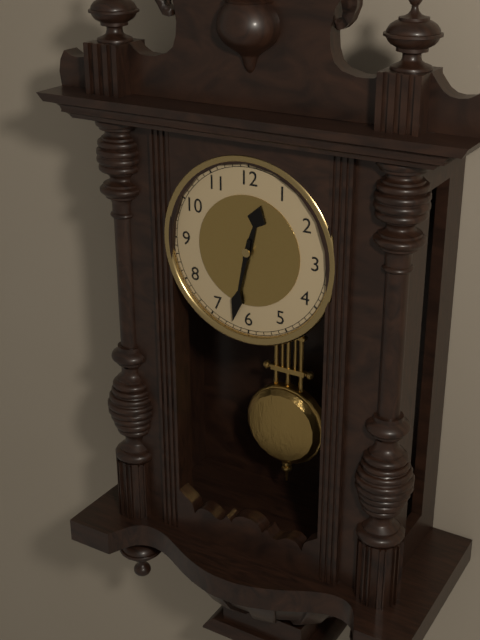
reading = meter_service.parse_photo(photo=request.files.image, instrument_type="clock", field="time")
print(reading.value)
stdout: 12:32
